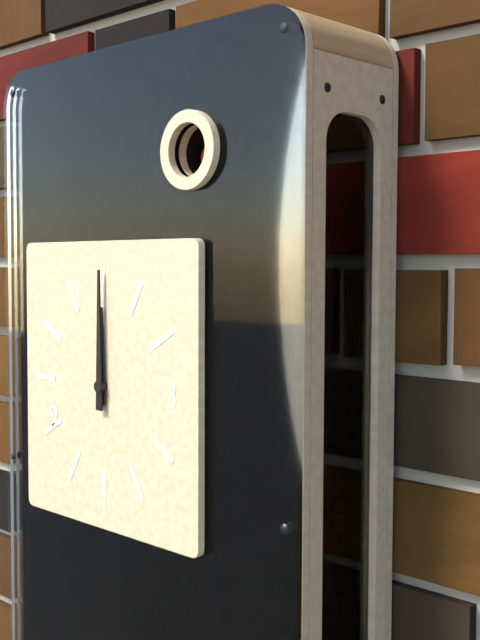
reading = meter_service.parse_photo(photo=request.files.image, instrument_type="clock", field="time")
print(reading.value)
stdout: 12:00
